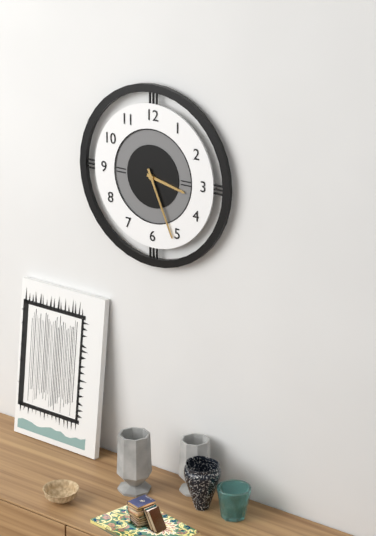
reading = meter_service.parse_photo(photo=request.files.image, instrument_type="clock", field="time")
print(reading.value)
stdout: 3:26
